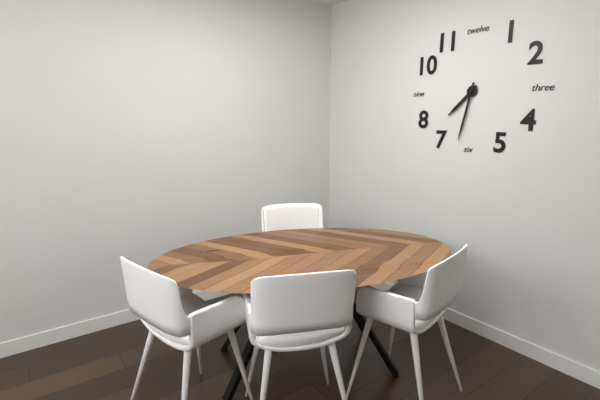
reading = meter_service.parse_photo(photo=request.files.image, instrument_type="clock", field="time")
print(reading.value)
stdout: 7:32
